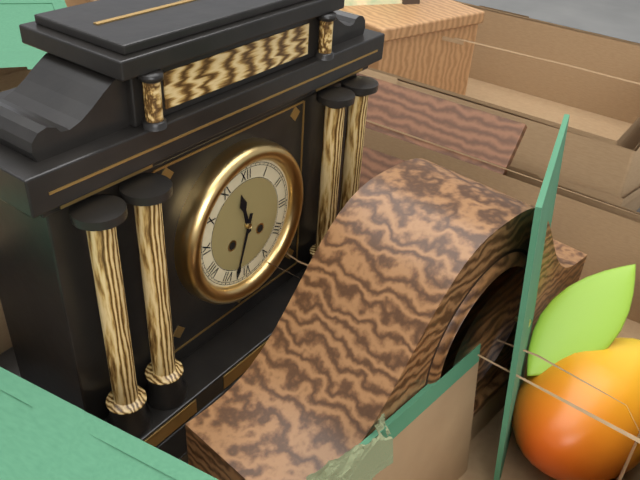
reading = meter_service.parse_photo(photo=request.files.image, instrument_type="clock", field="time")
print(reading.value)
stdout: 11:33
